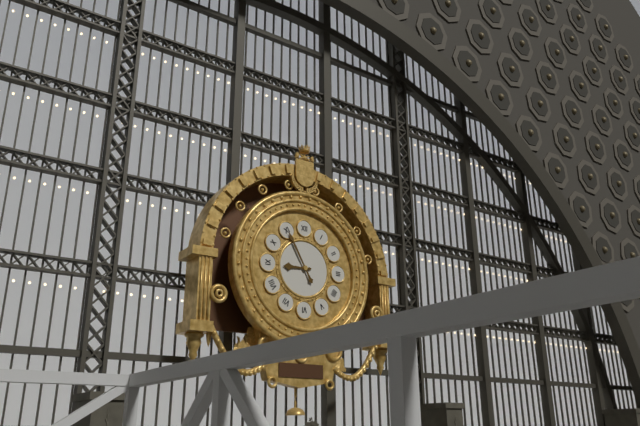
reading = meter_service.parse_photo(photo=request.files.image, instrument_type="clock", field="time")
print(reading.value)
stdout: 8:55
